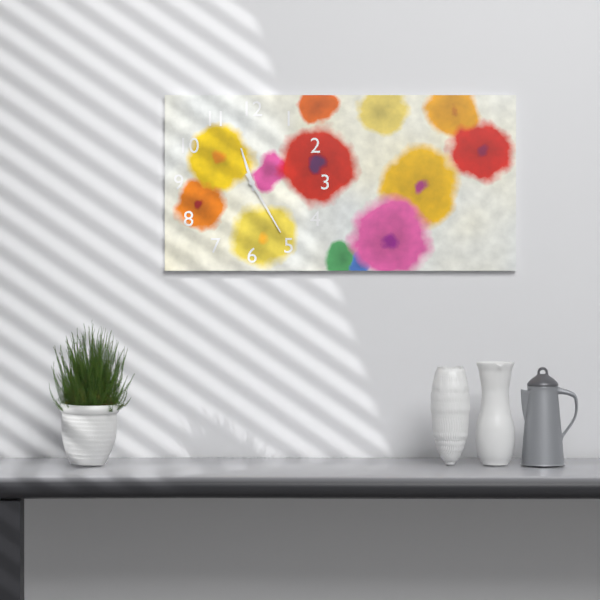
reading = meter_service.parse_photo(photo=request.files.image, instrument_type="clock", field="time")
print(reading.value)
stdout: 11:25
